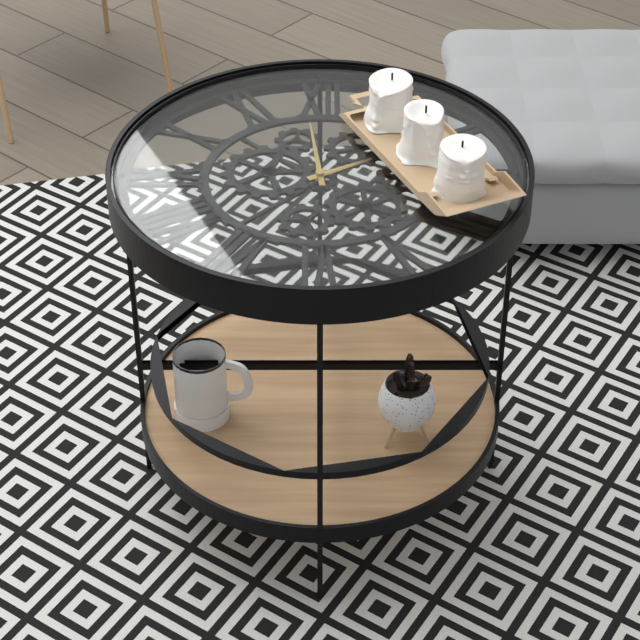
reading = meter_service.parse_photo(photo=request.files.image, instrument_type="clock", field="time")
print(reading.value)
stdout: 1:59
